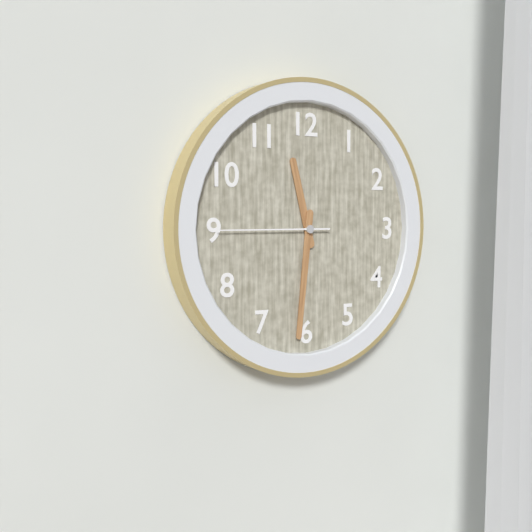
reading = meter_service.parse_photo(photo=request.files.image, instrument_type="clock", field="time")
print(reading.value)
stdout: 11:31:45
